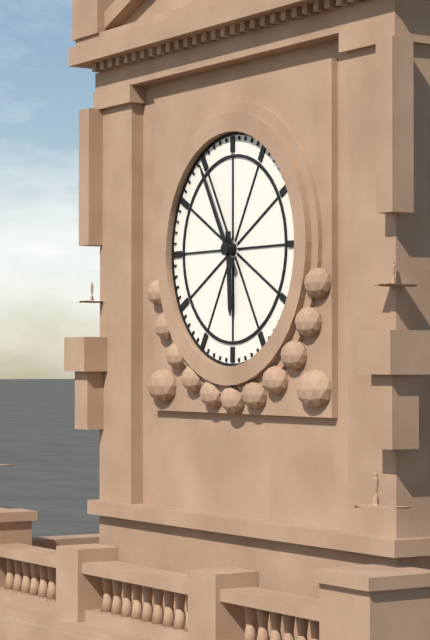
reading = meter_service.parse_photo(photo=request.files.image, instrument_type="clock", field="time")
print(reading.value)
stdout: 5:55
